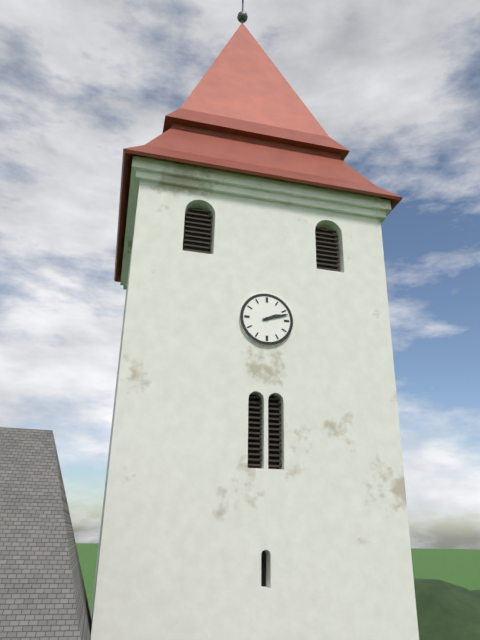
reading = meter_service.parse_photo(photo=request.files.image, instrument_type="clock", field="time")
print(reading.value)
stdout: 2:12
